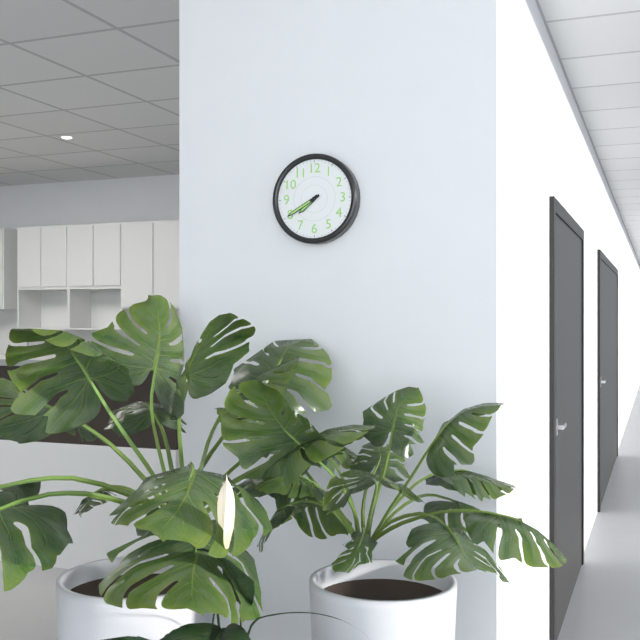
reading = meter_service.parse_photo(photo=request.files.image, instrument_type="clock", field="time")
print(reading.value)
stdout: 7:40
